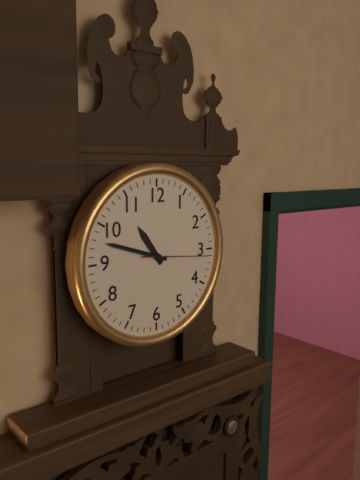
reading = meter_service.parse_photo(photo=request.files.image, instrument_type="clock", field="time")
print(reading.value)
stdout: 10:48:16
